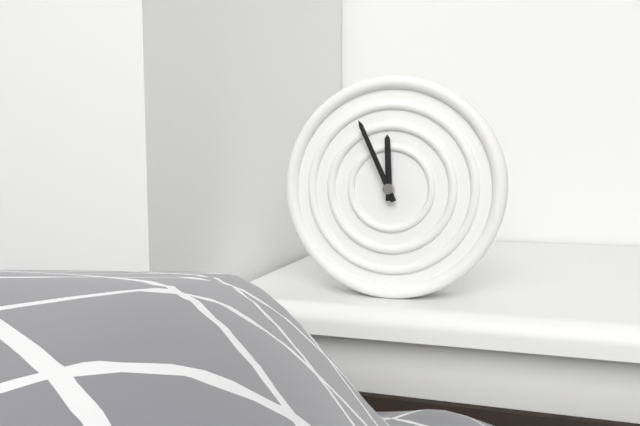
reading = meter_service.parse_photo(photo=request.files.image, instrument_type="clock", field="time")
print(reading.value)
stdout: 11:56
